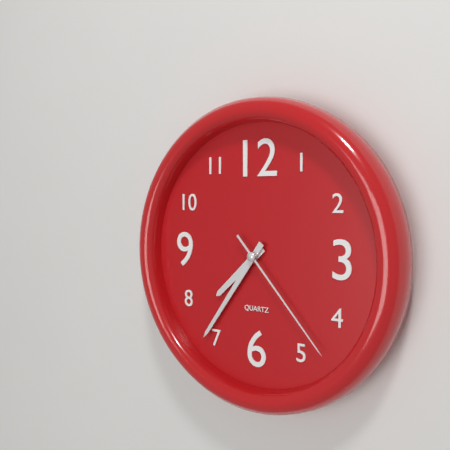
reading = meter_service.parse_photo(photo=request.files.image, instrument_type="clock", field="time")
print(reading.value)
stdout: 7:36:23
